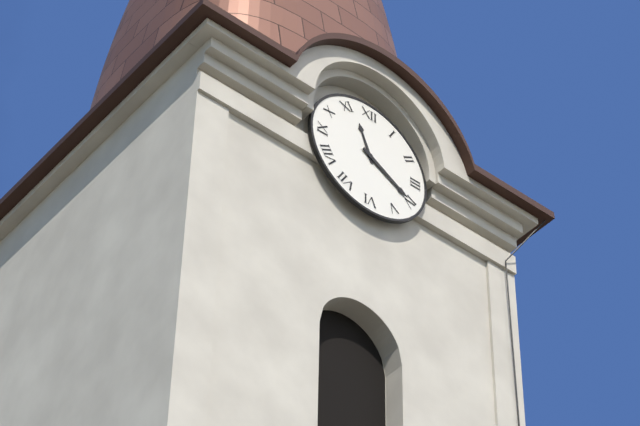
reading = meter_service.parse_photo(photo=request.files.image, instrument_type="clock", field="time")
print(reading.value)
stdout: 11:20
